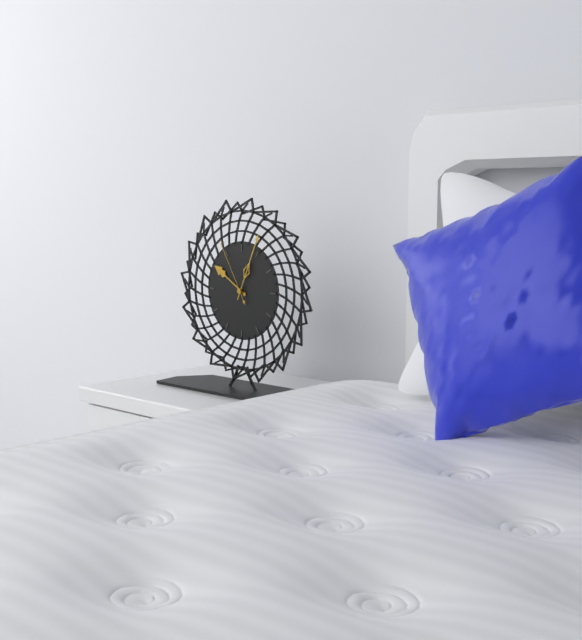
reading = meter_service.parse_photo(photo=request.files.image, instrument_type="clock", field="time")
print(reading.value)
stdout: 10:04:55
